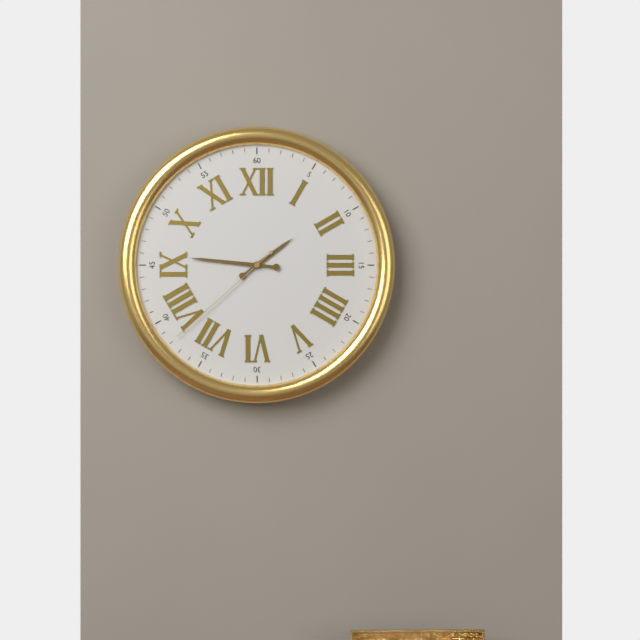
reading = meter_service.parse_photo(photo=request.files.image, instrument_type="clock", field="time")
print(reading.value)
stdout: 1:46:38
